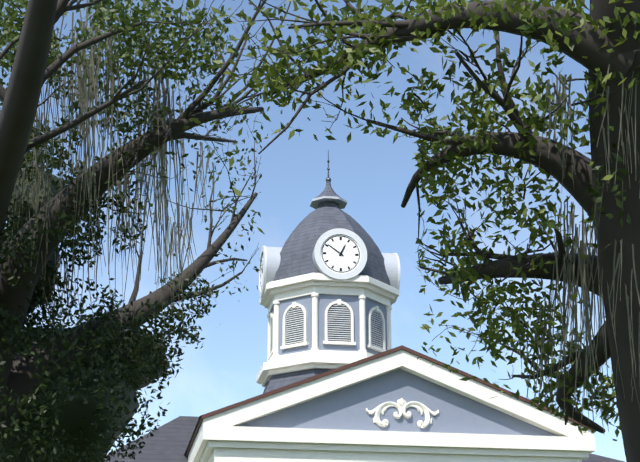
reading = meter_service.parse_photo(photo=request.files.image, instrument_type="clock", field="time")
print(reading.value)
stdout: 12:51
